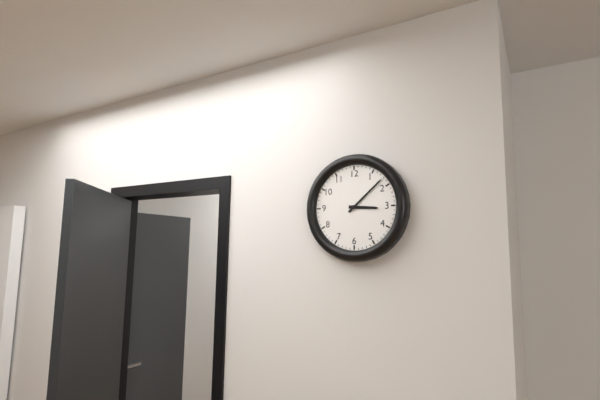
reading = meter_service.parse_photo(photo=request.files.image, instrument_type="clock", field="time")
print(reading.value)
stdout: 3:08
